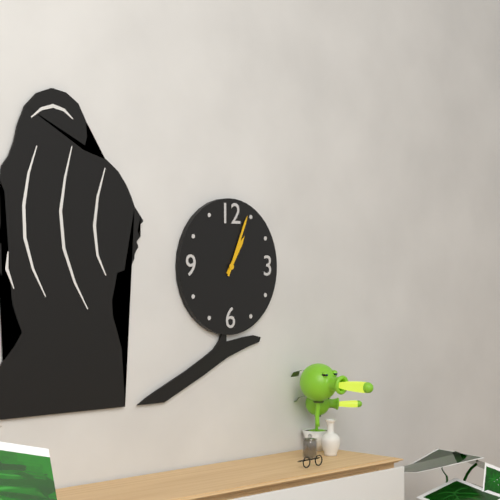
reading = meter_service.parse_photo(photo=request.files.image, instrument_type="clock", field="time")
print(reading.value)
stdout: 1:04
